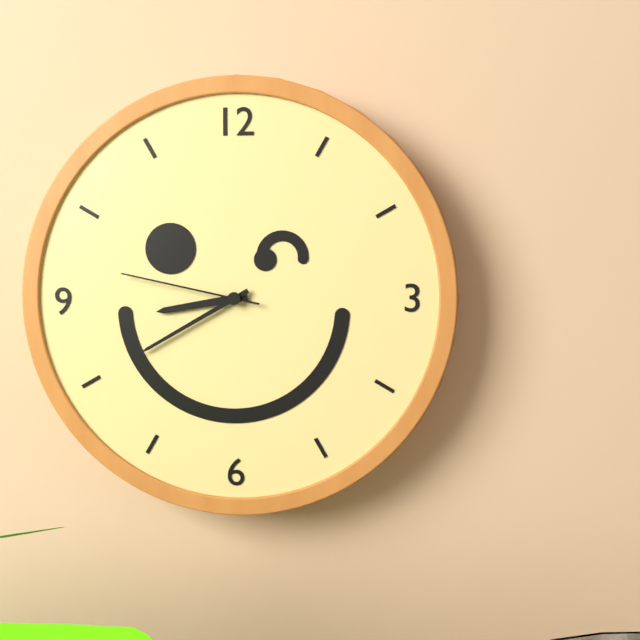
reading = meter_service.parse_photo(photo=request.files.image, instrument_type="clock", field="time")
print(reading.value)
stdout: 8:40:47
